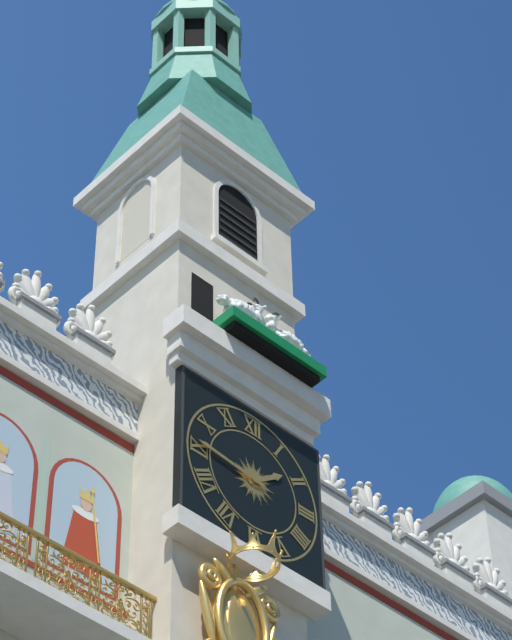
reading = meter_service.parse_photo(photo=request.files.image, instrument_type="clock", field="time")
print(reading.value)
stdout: 1:46
